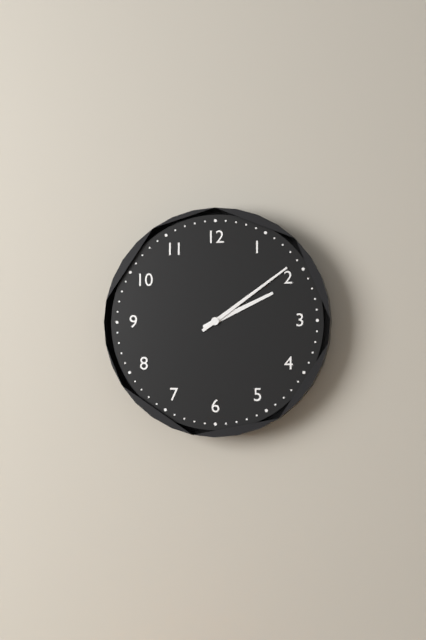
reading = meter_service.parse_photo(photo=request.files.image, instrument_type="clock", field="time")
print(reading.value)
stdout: 2:09
